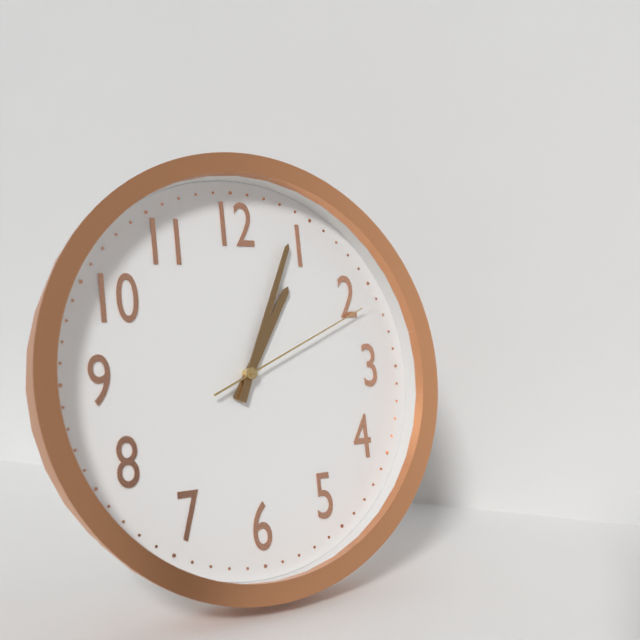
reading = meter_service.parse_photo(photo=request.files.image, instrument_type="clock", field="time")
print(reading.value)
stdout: 1:04:11
